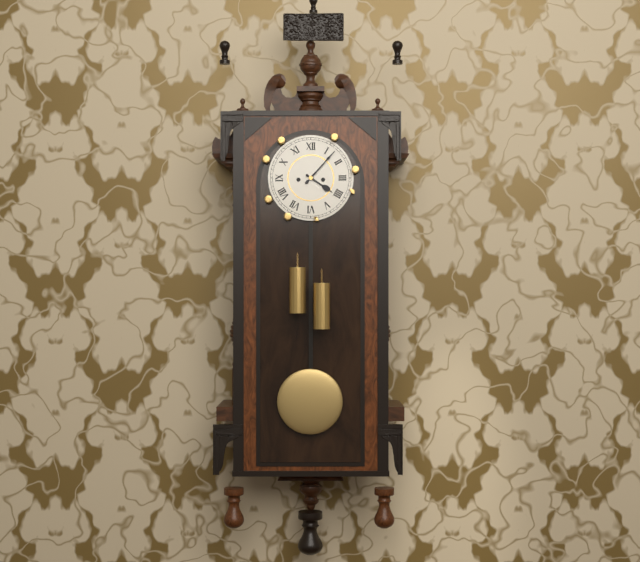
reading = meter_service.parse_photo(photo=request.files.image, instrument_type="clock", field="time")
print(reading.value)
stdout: 4:07
